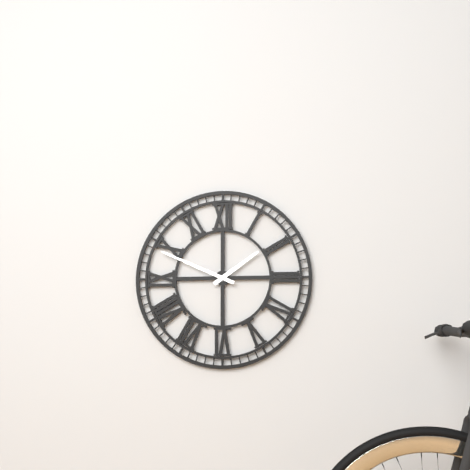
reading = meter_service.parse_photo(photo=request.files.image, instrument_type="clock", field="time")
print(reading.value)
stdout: 1:49
